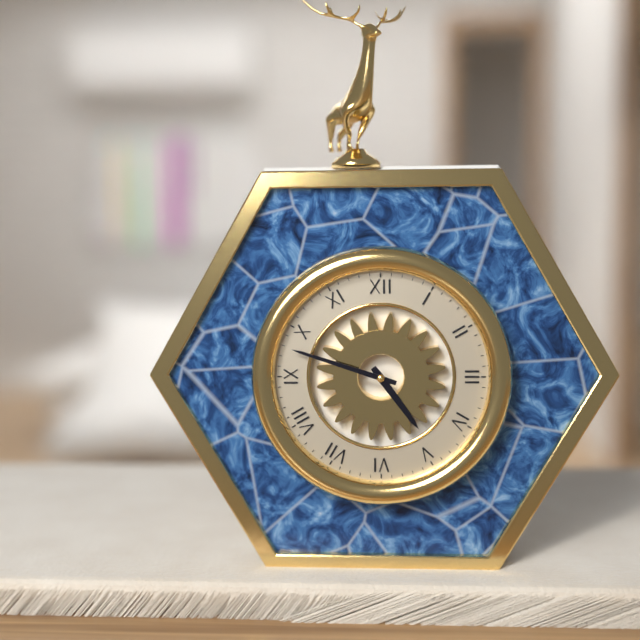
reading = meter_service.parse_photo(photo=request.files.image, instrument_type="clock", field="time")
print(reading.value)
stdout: 4:48
